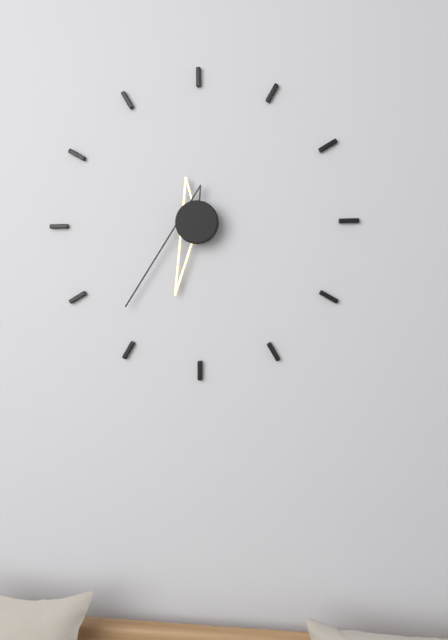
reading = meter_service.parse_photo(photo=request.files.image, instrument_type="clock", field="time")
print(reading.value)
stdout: 6:37
